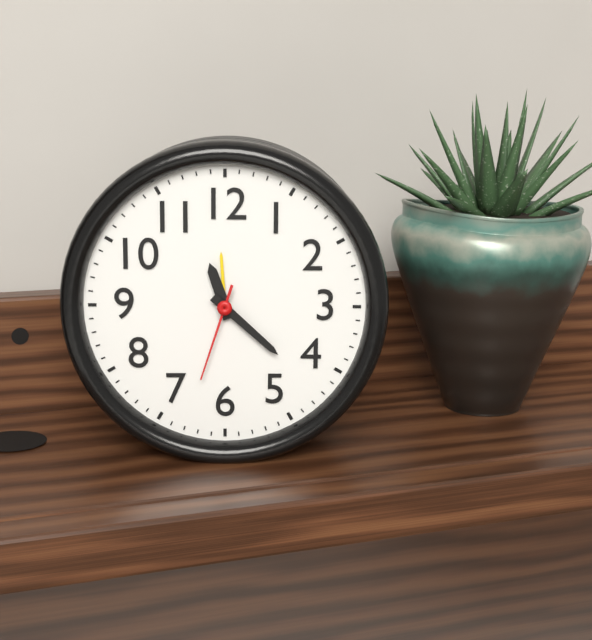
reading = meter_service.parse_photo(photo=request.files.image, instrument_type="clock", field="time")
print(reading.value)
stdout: 11:22:33
